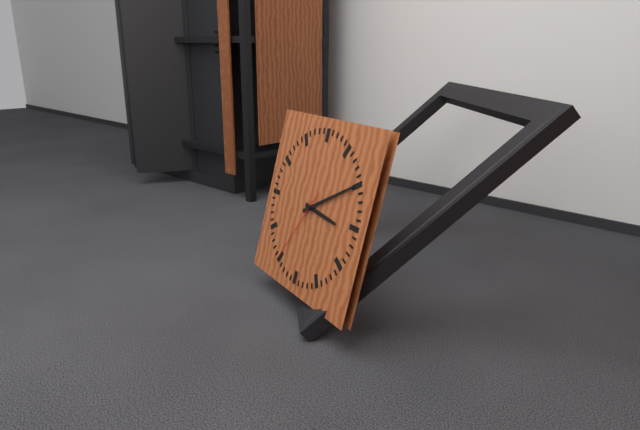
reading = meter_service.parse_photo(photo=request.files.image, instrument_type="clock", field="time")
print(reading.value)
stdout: 3:10:35
